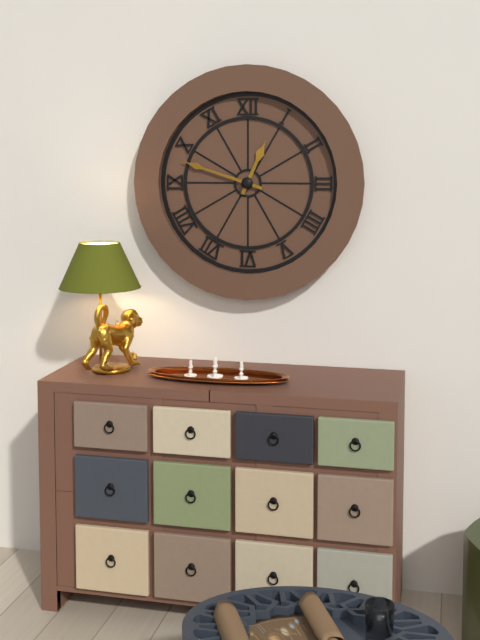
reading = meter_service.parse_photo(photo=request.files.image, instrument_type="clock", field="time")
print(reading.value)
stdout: 12:48
